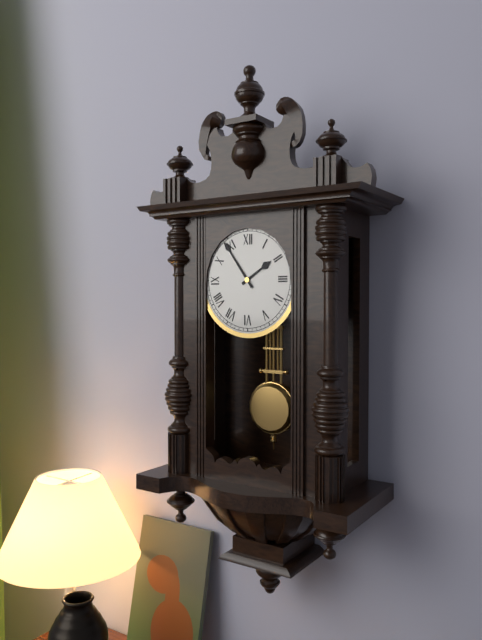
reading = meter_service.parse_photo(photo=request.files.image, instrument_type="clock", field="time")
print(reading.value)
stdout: 1:54
